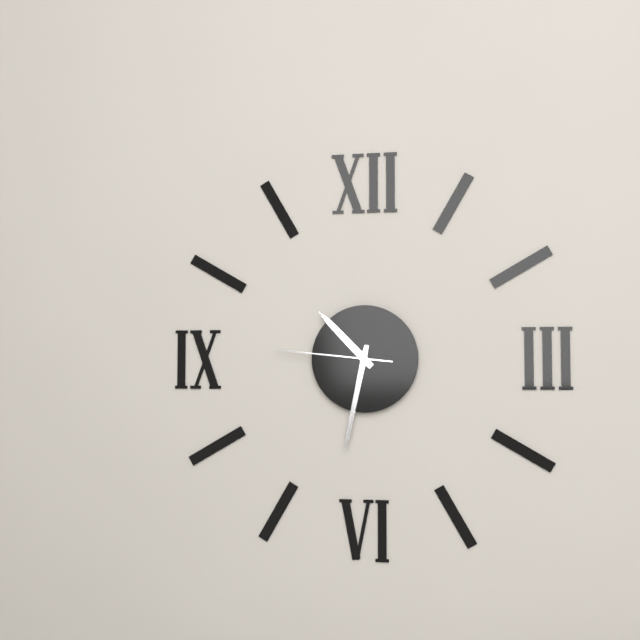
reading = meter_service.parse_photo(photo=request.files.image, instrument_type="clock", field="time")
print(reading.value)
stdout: 10:32:46
